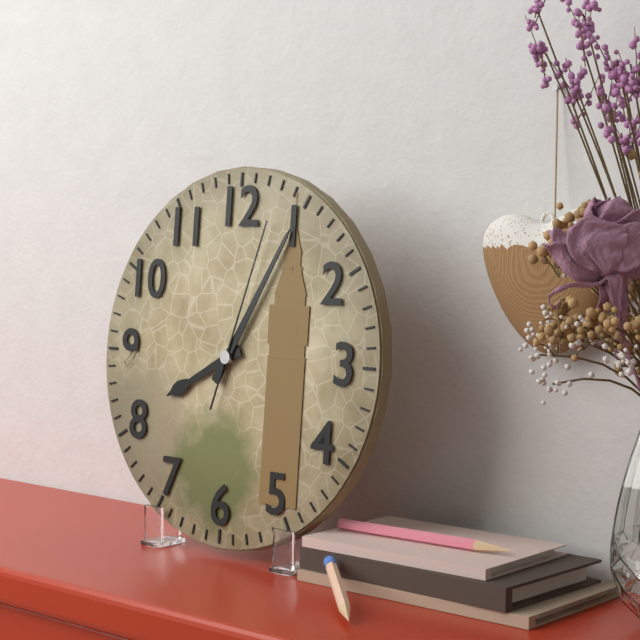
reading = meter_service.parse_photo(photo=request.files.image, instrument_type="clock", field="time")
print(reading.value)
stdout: 8:05:03
